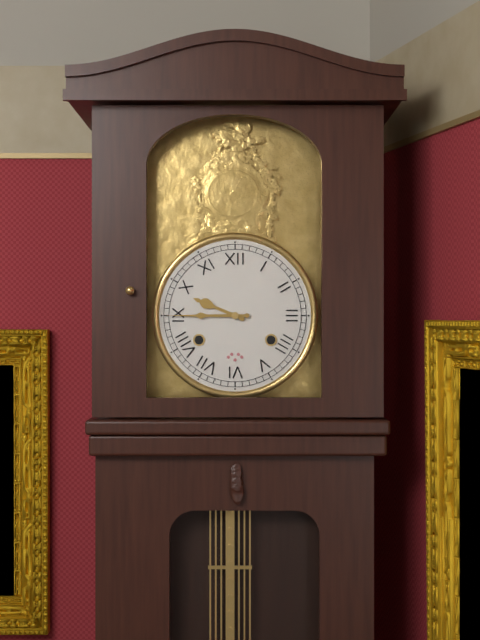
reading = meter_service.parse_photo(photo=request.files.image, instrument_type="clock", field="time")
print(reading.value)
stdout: 9:45
